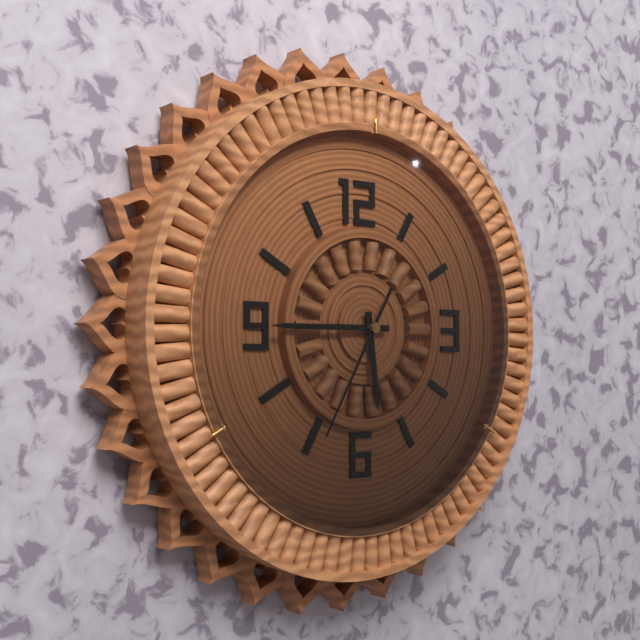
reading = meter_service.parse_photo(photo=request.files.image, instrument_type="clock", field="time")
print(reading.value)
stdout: 5:45:35
